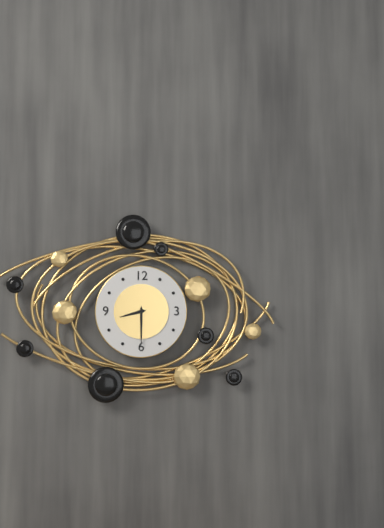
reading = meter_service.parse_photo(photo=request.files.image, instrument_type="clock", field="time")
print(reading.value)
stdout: 8:30
